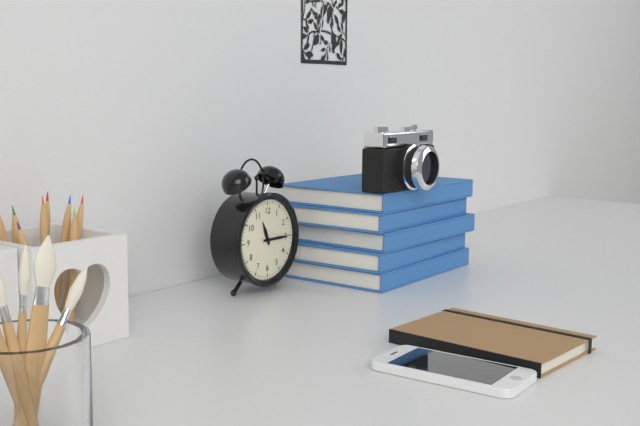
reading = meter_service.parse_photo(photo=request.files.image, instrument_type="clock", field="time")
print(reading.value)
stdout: 11:15
